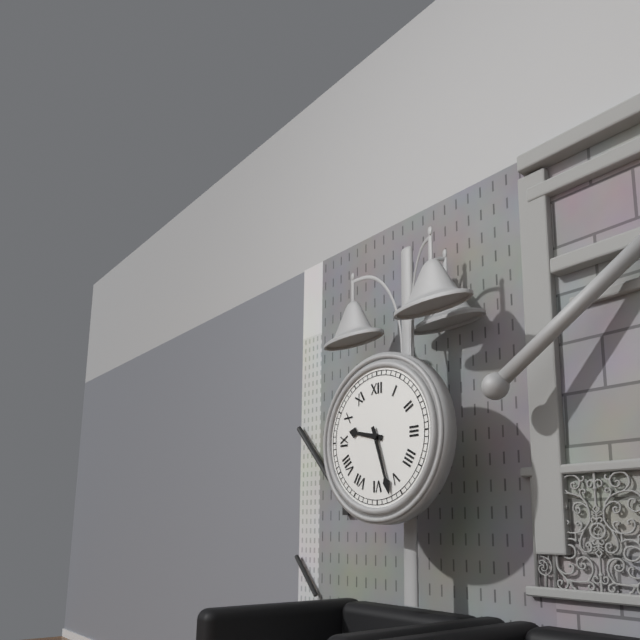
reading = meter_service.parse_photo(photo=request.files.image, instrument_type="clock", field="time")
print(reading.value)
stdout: 9:27
